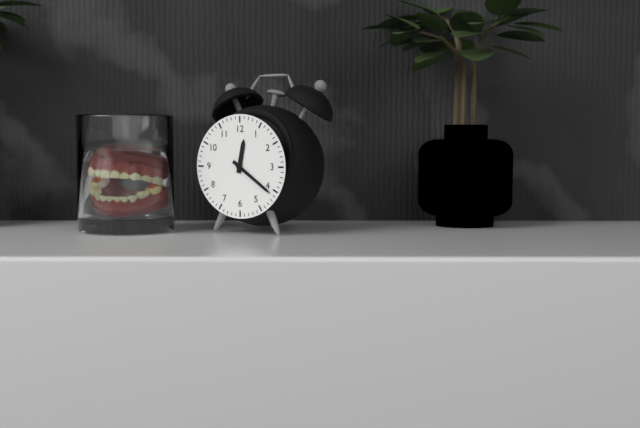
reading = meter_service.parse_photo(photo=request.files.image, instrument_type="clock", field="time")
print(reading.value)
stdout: 12:21
